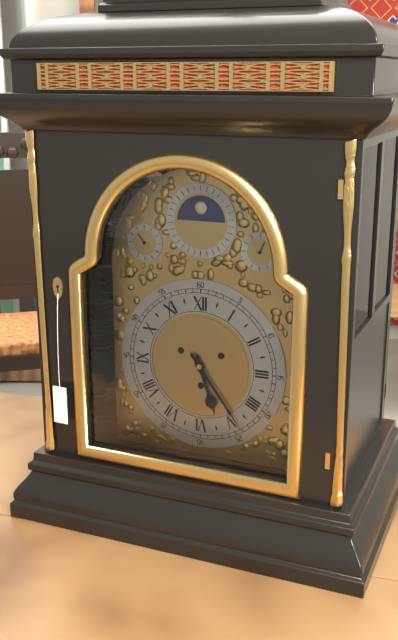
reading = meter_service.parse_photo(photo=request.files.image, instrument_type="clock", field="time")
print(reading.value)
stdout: 5:24
